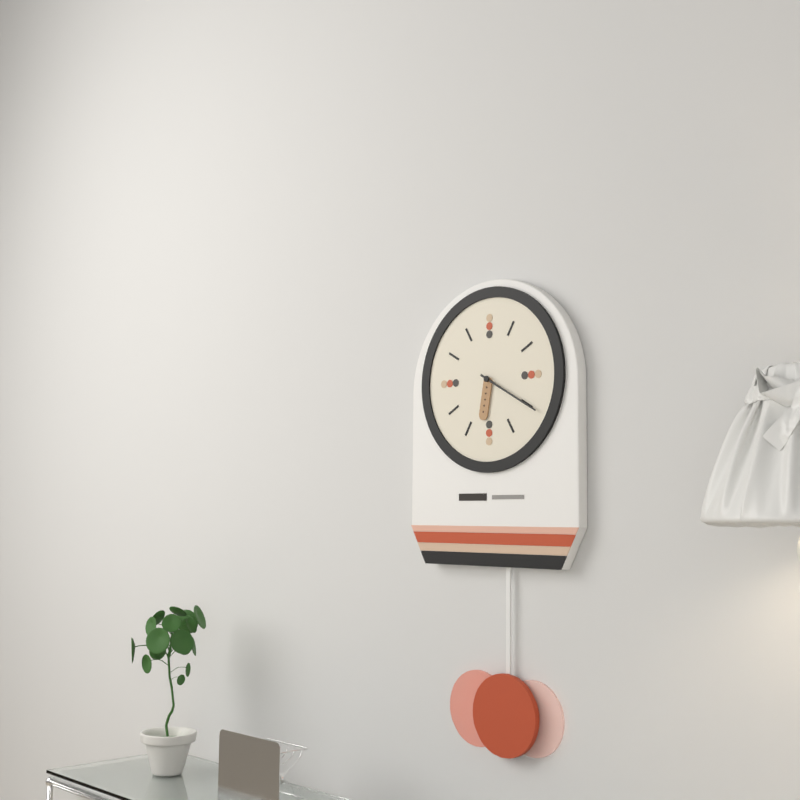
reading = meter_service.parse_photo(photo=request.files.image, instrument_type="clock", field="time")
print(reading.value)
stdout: 6:20
